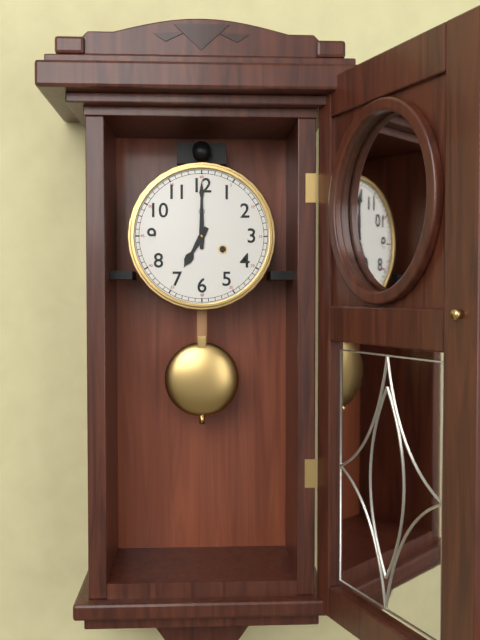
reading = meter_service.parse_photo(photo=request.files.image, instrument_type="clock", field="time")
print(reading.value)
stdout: 7:00
